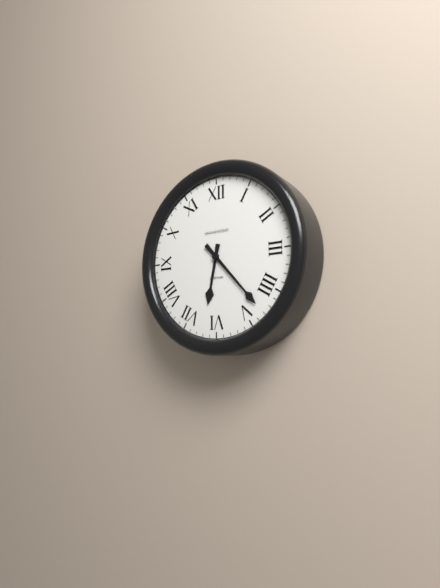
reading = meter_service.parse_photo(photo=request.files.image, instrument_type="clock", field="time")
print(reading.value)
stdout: 6:23
